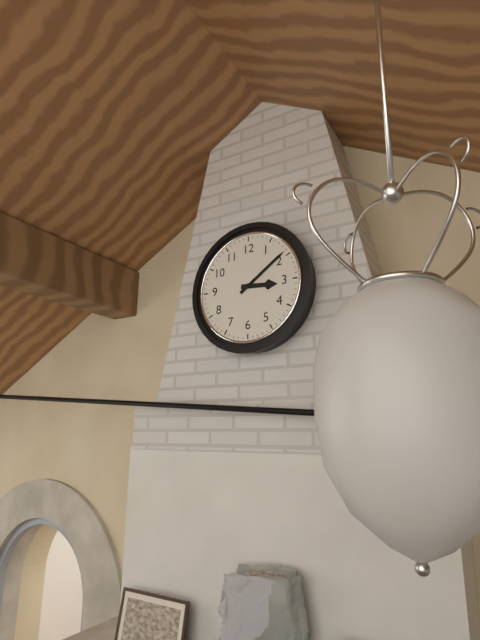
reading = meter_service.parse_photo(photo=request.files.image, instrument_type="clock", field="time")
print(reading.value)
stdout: 3:09
